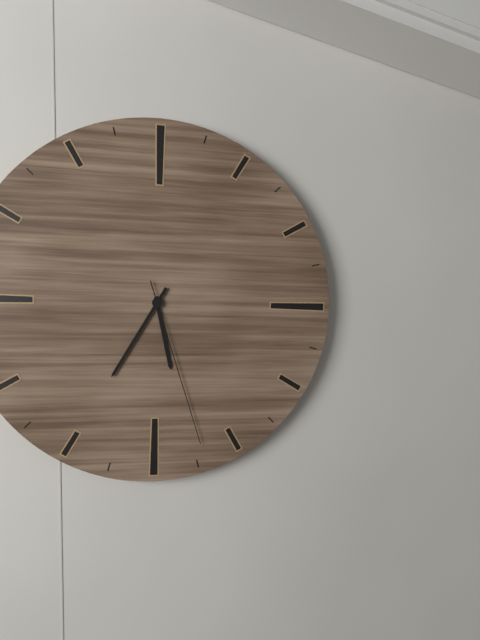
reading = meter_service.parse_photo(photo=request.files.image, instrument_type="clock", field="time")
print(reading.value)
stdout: 5:35:27
